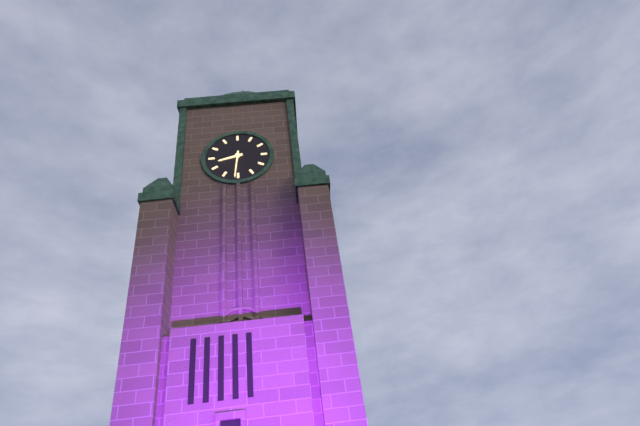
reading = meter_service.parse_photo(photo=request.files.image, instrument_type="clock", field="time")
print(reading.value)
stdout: 8:31
